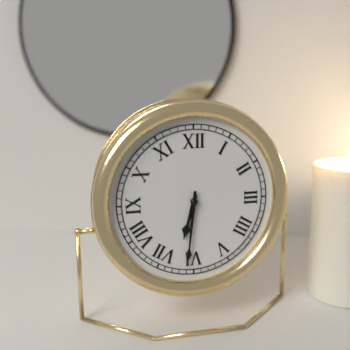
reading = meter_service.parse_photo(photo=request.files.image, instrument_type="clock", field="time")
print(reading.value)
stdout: 6:31
